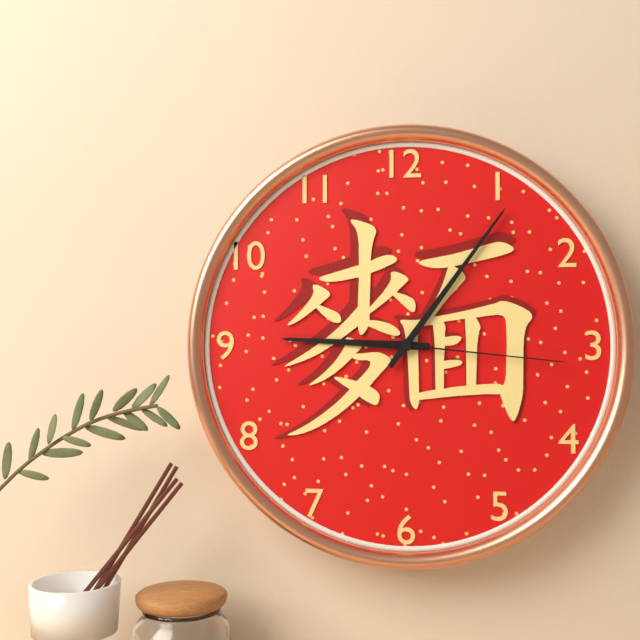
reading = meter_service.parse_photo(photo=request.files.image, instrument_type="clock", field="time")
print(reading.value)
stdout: 9:06:16
